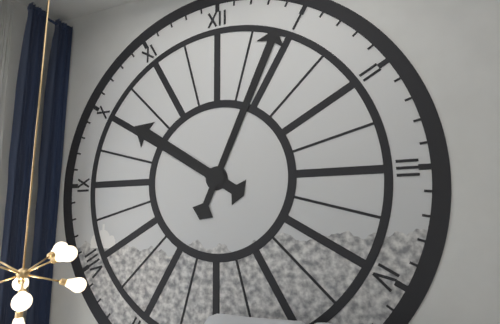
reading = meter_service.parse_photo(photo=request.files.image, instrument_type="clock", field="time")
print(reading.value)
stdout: 10:04
